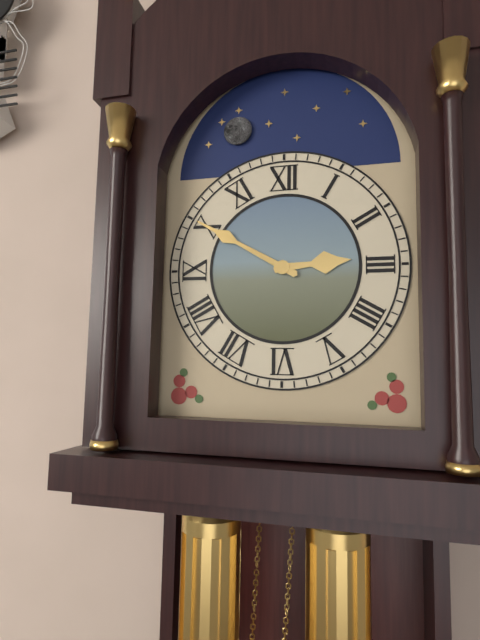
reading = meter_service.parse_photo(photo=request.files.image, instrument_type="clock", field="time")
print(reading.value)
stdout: 2:50
